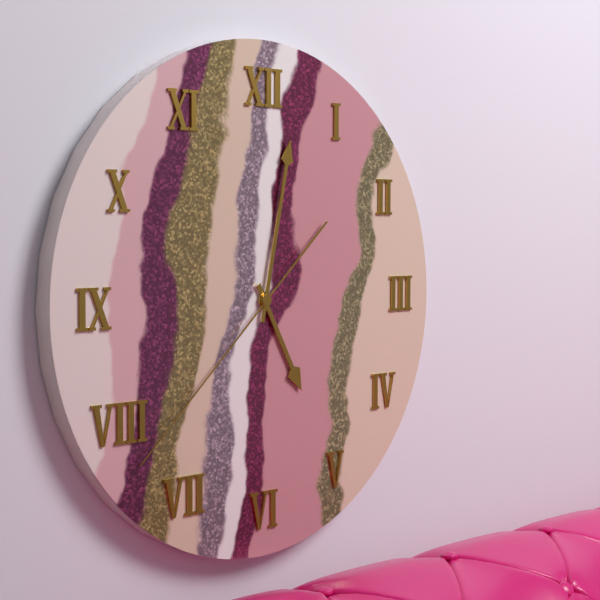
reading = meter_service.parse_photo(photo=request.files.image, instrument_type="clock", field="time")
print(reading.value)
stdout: 5:02:38
